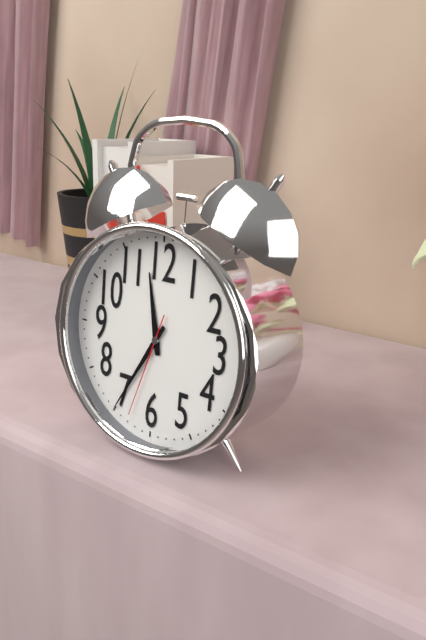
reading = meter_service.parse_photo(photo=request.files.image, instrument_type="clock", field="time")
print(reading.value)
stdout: 11:35:33
